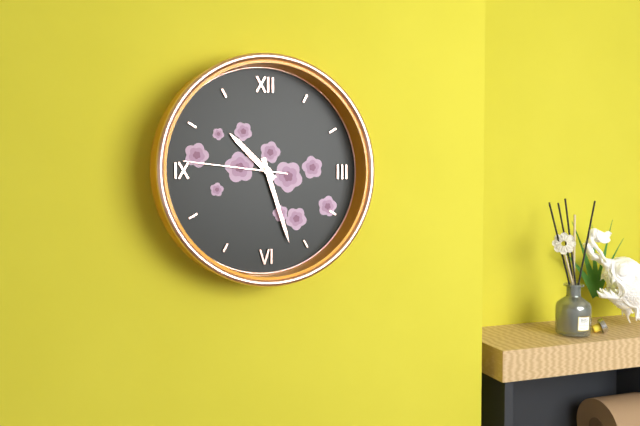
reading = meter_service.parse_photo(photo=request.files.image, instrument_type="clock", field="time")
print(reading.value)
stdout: 10:27:46
